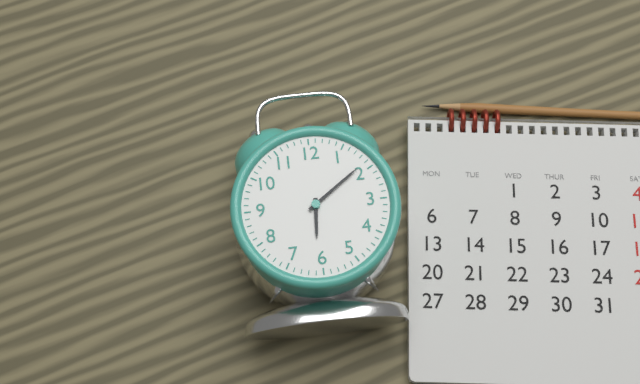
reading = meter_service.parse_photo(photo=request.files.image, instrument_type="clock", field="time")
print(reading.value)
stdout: 6:09
